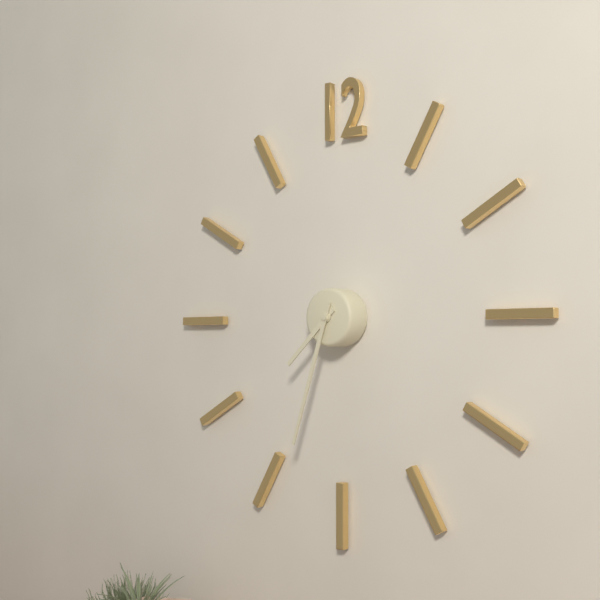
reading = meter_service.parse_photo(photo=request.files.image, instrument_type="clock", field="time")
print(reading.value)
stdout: 7:33
